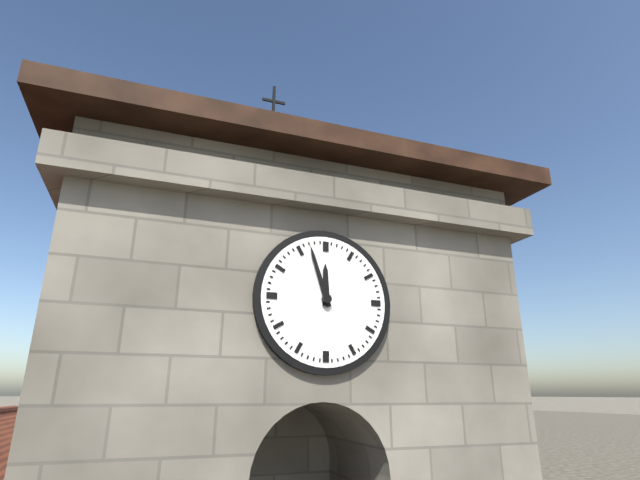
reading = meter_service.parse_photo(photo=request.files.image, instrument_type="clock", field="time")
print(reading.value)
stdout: 11:57
